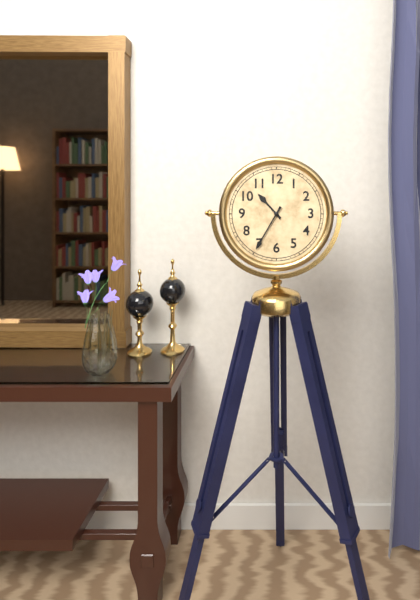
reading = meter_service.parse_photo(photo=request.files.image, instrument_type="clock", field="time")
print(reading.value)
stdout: 10:35
